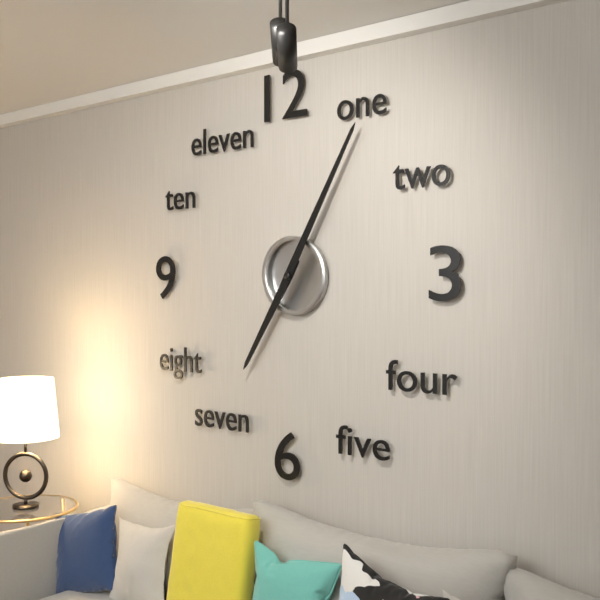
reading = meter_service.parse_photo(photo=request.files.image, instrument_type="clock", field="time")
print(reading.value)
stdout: 7:05
